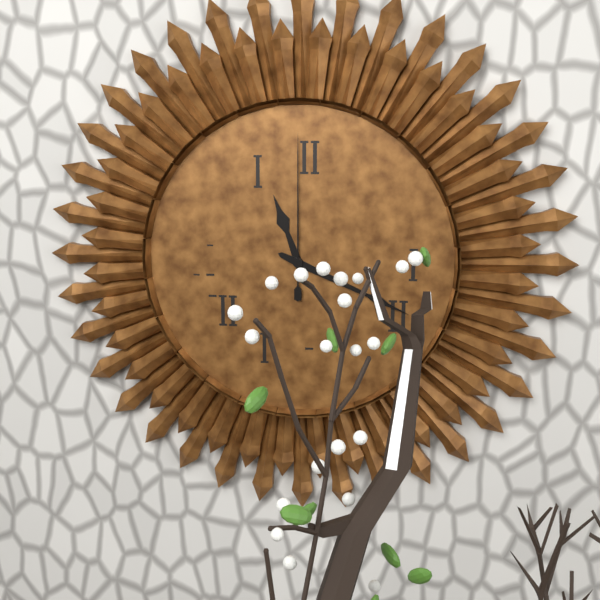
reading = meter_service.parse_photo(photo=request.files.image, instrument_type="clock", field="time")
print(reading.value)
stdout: 11:19:00
